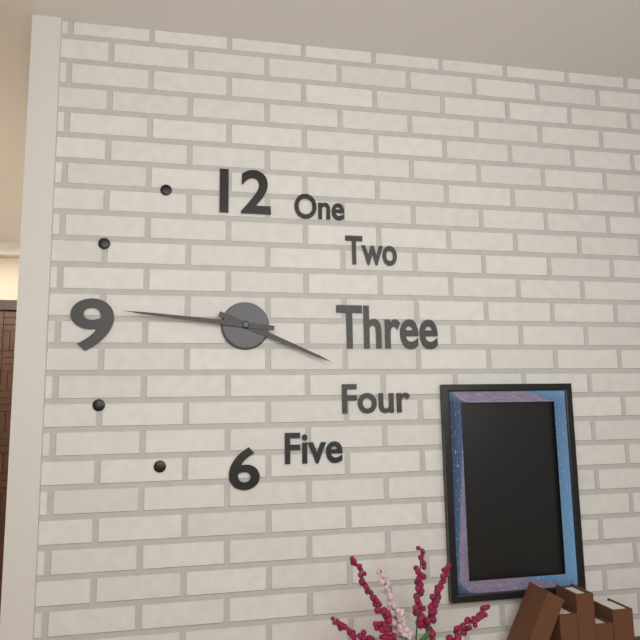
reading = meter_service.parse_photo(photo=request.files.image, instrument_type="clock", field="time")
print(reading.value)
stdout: 3:46
